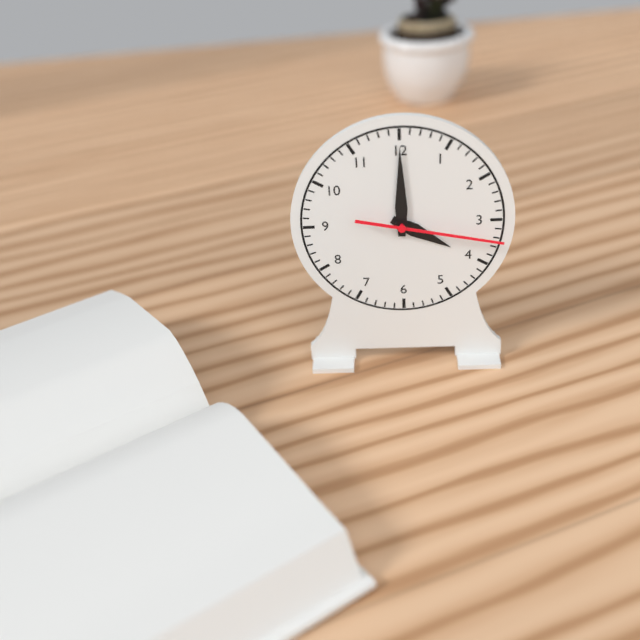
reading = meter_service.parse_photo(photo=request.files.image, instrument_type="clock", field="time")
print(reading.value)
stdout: 4:00:17
